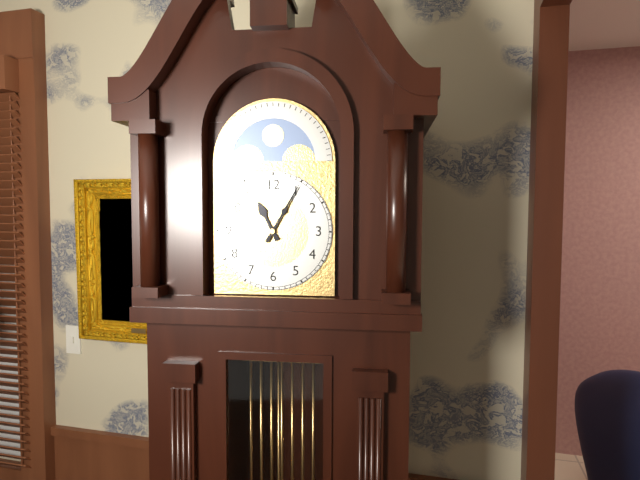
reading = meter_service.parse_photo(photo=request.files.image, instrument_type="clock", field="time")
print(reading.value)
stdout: 11:05
